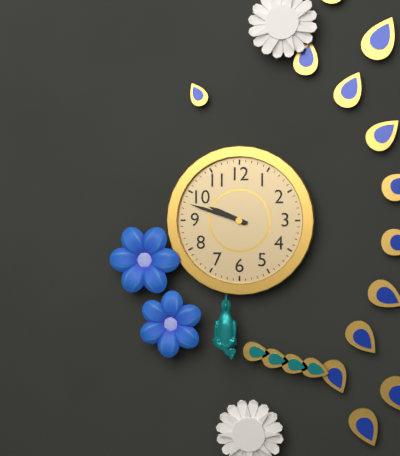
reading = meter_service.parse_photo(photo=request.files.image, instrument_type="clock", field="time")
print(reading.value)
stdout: 9:48
